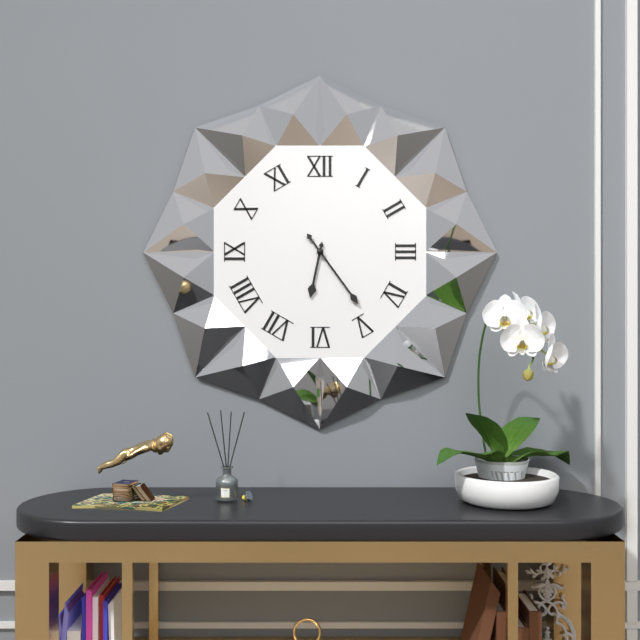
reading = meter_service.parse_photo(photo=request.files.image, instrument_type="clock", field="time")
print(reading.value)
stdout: 6:24
